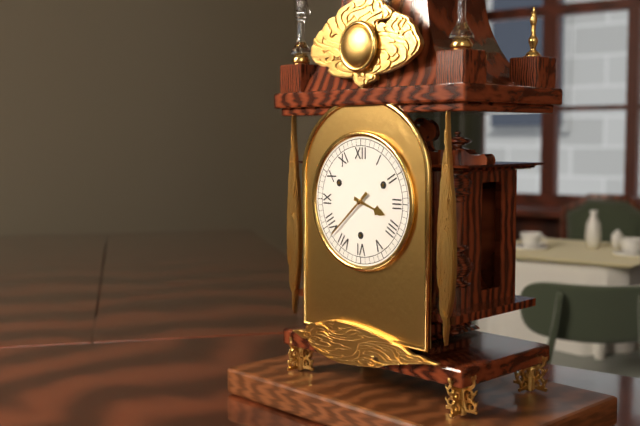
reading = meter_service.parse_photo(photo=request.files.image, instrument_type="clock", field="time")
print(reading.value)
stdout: 3:38
